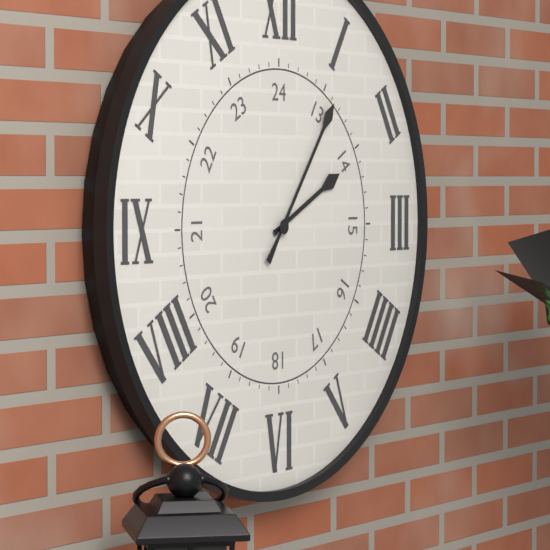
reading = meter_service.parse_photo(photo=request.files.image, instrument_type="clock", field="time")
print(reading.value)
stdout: 2:06
